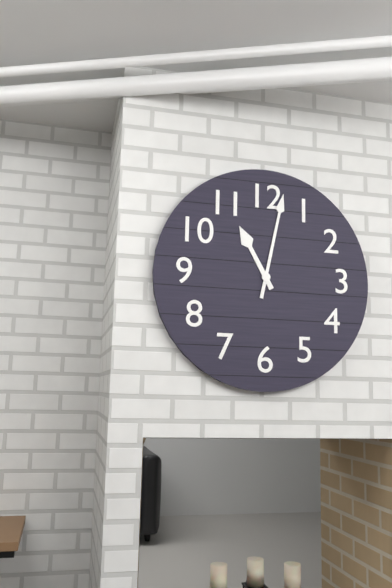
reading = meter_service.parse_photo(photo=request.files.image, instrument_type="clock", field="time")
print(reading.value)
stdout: 11:02
